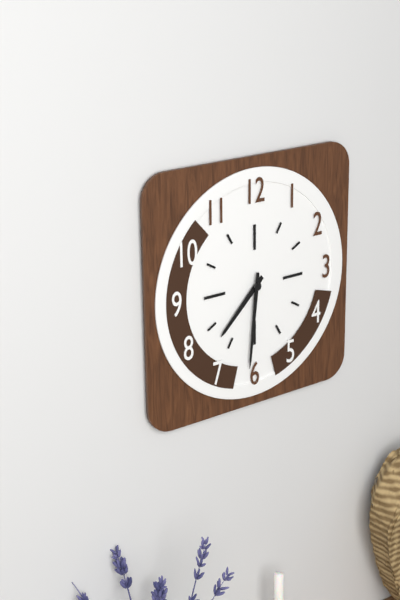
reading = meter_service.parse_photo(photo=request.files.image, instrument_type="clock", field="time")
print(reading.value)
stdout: 7:31
